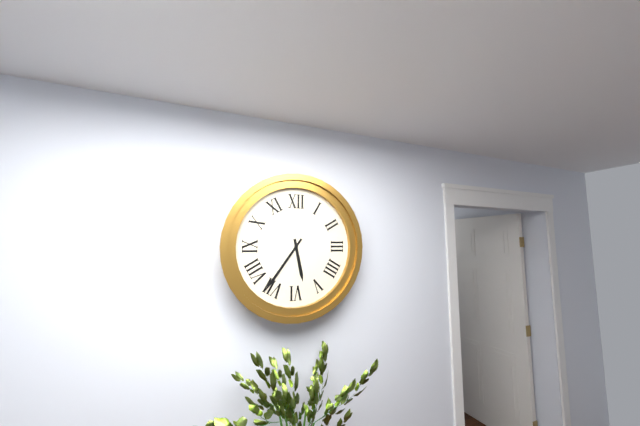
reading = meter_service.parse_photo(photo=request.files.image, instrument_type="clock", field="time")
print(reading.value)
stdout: 5:36
